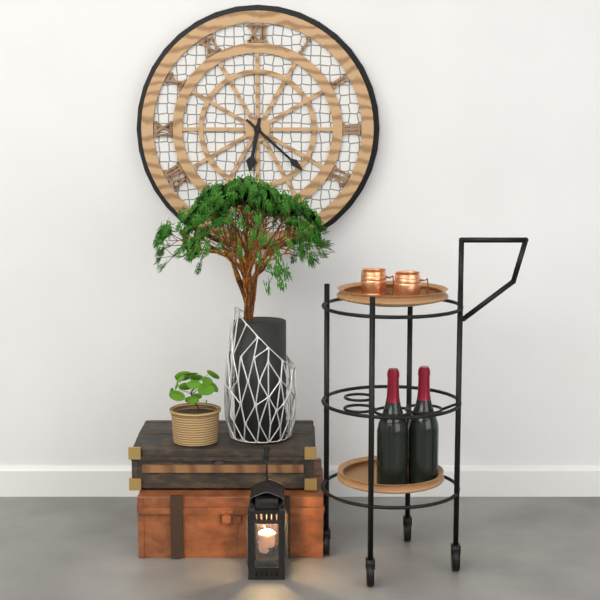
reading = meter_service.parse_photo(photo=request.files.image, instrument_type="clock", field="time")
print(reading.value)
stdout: 6:22
